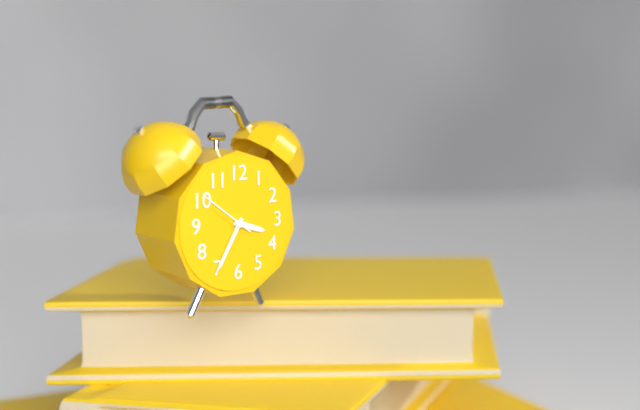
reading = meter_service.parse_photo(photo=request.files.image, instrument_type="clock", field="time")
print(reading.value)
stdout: 3:35:51
